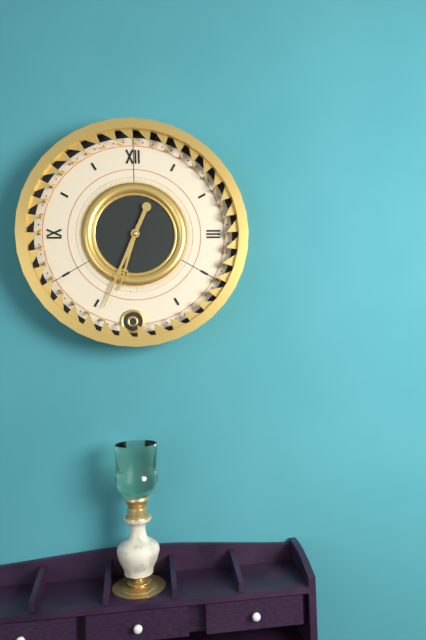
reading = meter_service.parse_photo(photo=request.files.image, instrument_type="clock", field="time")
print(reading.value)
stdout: 6:34
